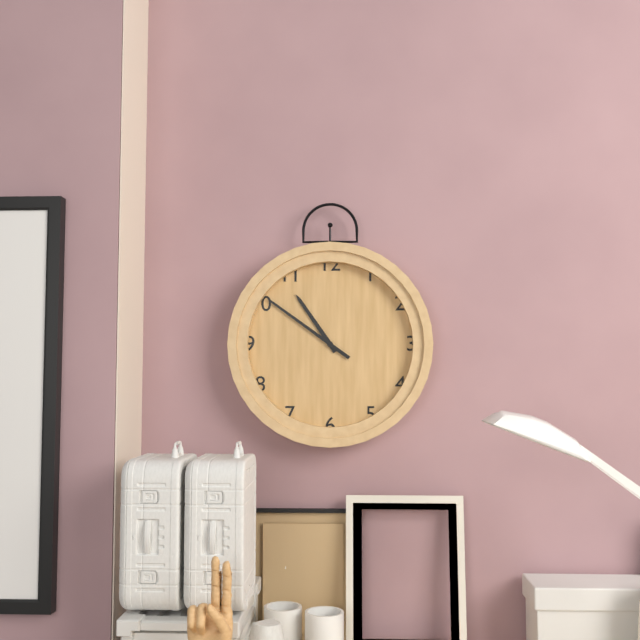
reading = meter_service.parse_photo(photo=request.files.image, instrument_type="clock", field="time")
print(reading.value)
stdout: 10:51
